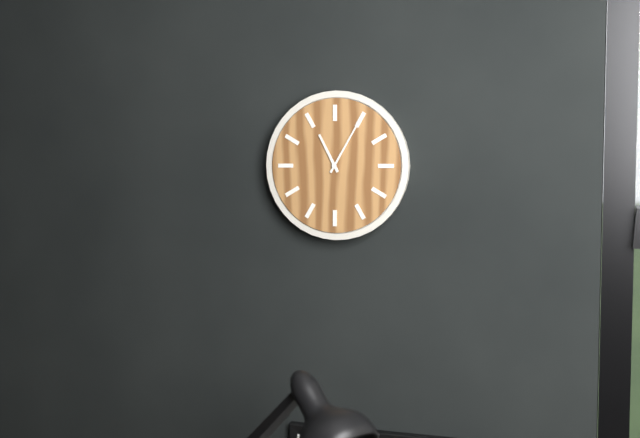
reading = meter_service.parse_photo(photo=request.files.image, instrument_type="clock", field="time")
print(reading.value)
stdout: 11:05
